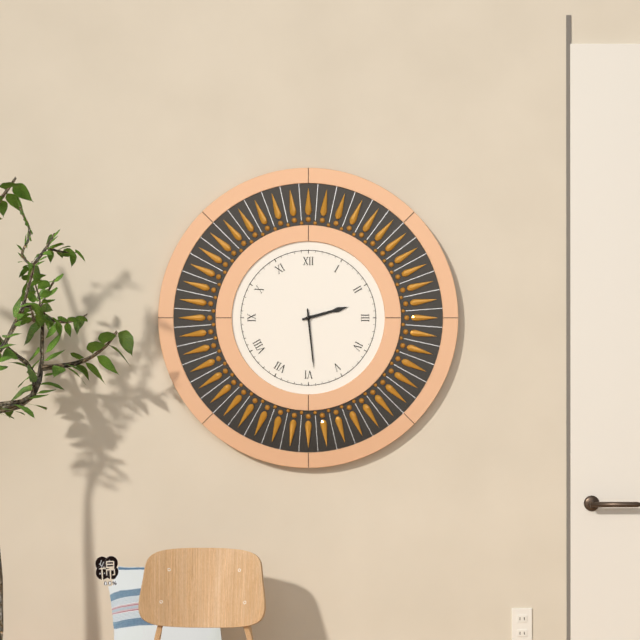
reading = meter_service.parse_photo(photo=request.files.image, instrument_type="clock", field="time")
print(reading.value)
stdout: 2:29
